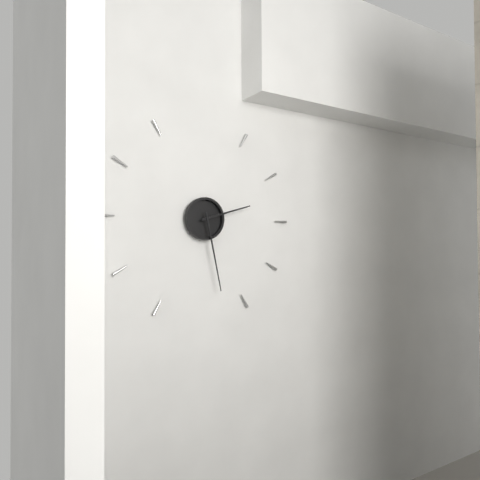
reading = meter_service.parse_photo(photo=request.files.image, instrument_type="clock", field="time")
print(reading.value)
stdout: 2:28
